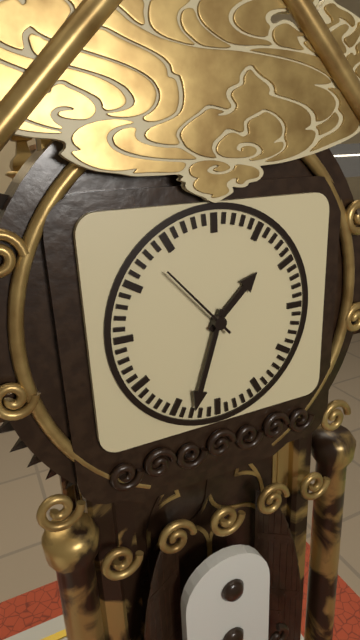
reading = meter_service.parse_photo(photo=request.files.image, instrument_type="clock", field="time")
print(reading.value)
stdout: 1:33:53
